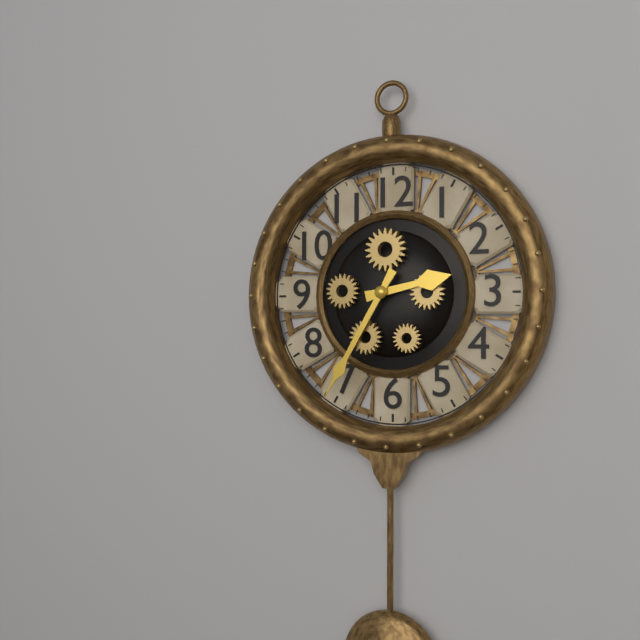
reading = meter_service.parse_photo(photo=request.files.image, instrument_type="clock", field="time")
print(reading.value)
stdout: 2:35
